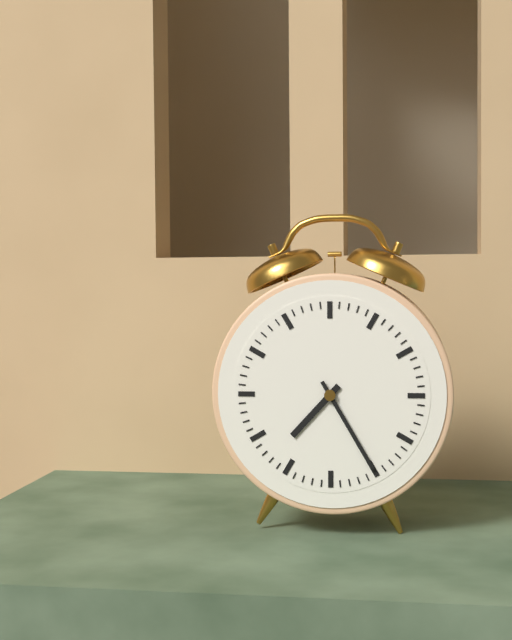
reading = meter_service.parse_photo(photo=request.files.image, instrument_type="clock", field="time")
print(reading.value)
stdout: 7:25
